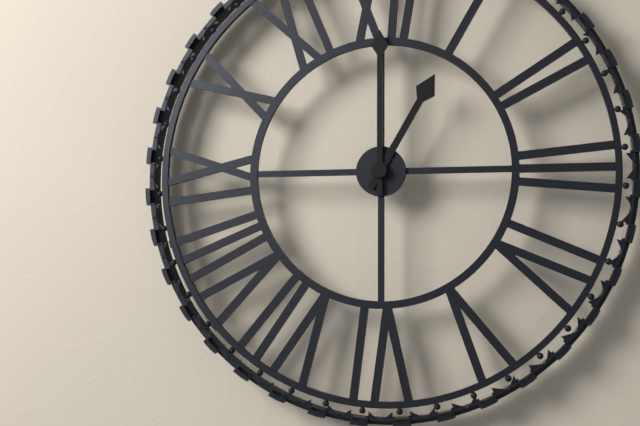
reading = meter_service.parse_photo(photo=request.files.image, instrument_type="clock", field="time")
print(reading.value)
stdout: 1:00
